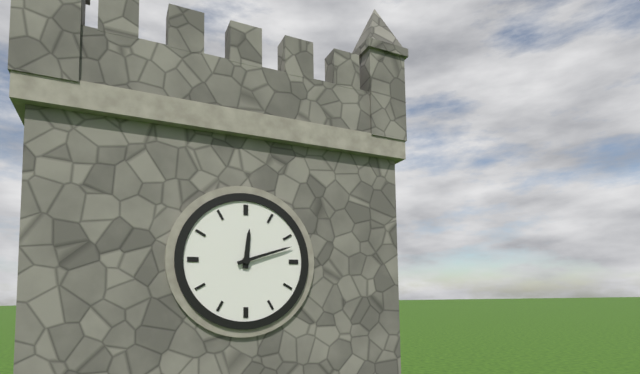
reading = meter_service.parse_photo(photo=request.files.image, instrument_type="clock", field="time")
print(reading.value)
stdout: 12:12
